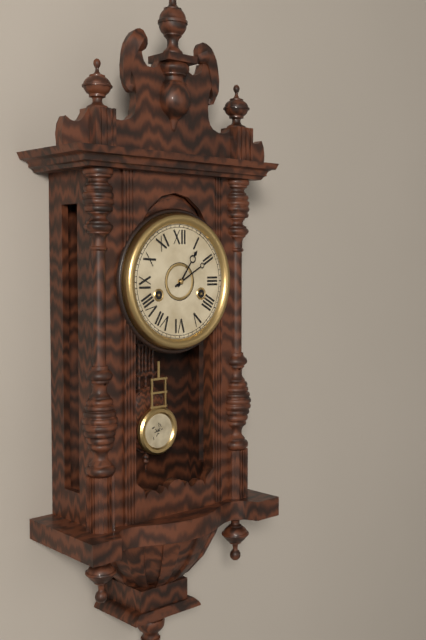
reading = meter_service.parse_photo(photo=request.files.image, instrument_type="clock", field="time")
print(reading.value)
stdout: 1:10
